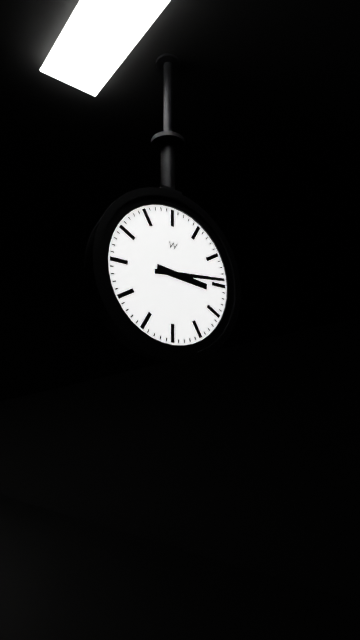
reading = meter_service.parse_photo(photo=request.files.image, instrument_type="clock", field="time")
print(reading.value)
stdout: 3:14
